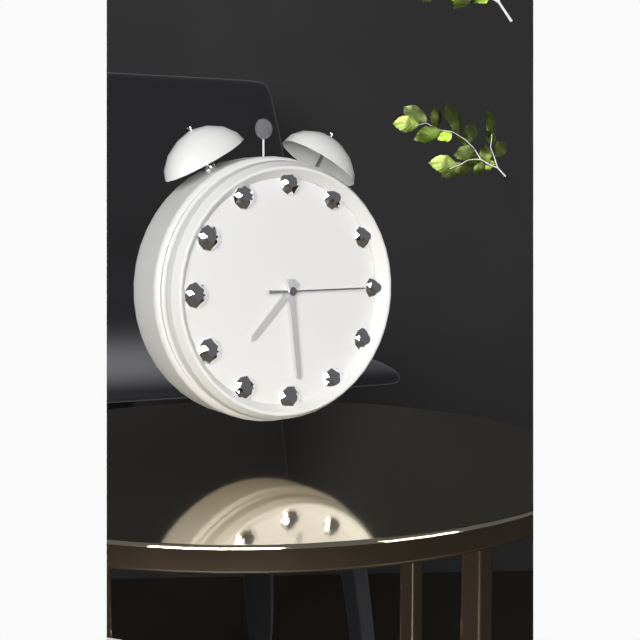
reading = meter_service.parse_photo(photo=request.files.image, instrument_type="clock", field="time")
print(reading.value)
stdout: 7:29:15
